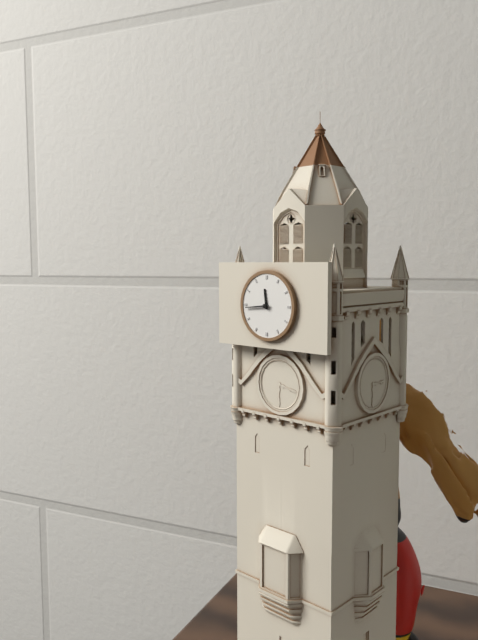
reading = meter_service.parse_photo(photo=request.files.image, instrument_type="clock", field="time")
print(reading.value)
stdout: 11:44
